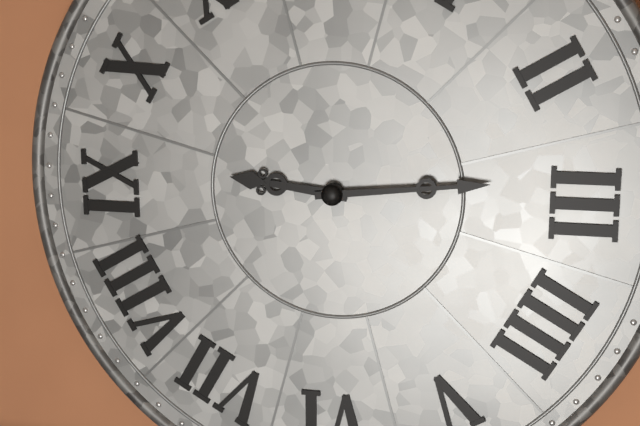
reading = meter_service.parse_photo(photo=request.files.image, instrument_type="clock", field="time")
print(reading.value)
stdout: 9:14
